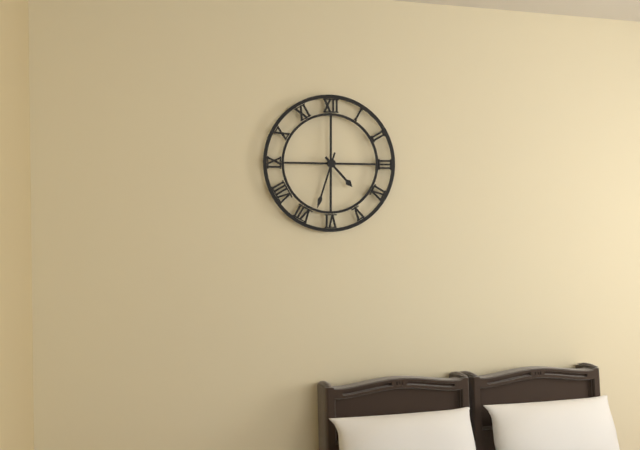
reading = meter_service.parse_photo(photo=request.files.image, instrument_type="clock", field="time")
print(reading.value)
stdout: 4:33
